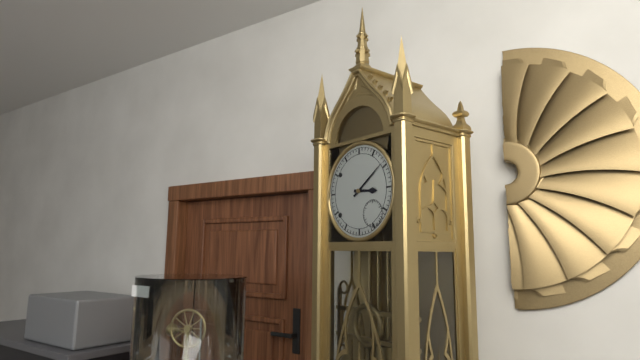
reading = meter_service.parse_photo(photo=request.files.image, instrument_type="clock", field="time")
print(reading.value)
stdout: 3:09
